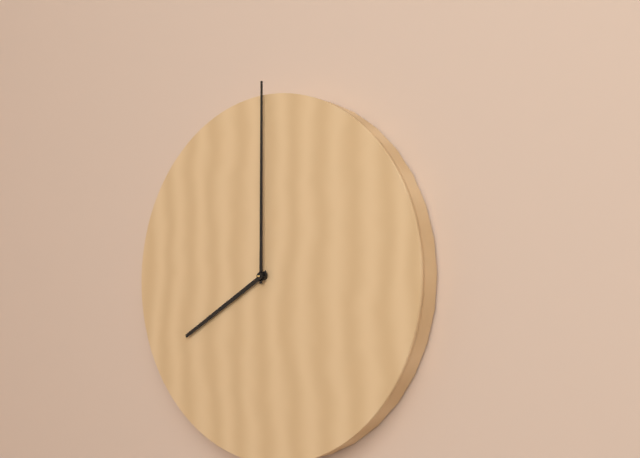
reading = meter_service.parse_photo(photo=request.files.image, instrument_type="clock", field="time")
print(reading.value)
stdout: 8:00
